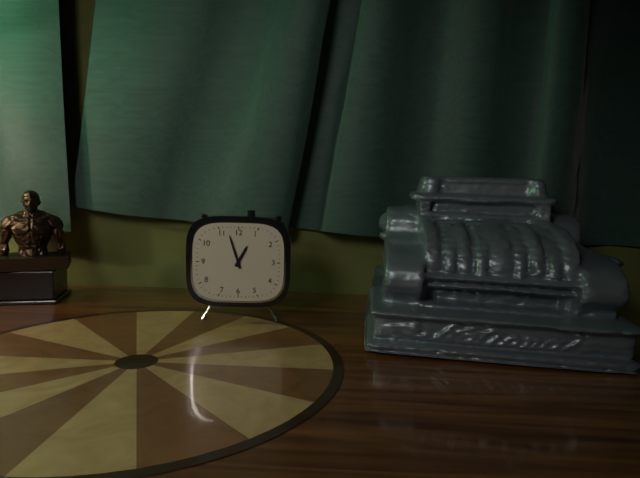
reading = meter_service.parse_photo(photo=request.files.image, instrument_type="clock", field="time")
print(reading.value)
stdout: 12:57
